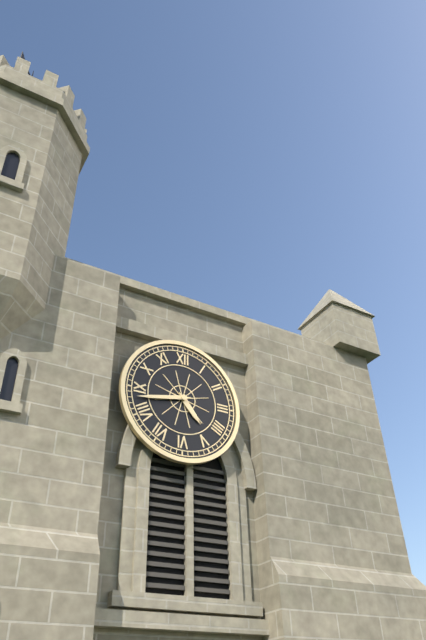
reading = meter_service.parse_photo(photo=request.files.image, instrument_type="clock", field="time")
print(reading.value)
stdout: 4:43
